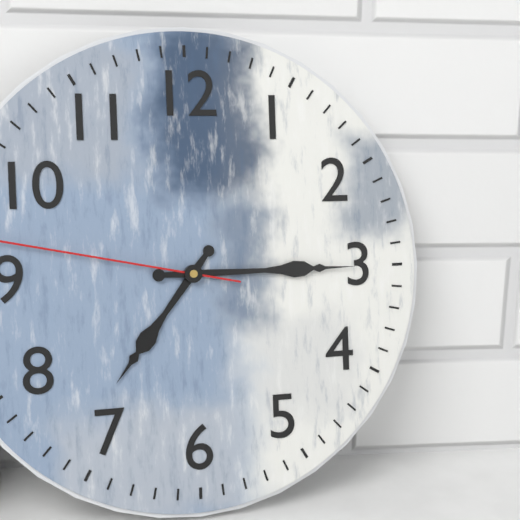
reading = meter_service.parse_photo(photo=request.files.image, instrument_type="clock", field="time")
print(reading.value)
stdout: 7:15
